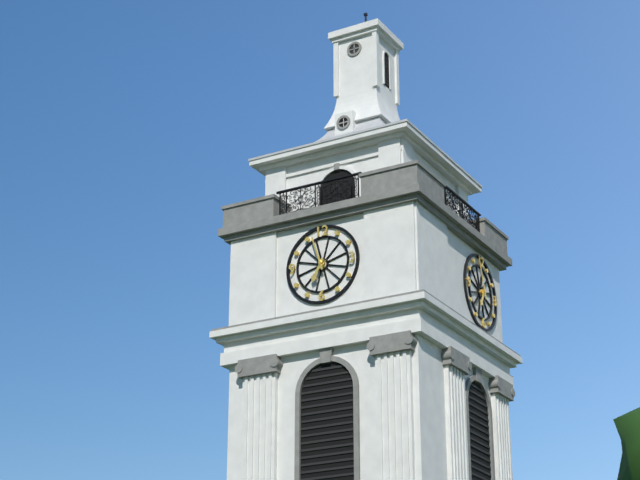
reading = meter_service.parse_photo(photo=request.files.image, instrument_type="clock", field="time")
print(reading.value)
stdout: 6:57
